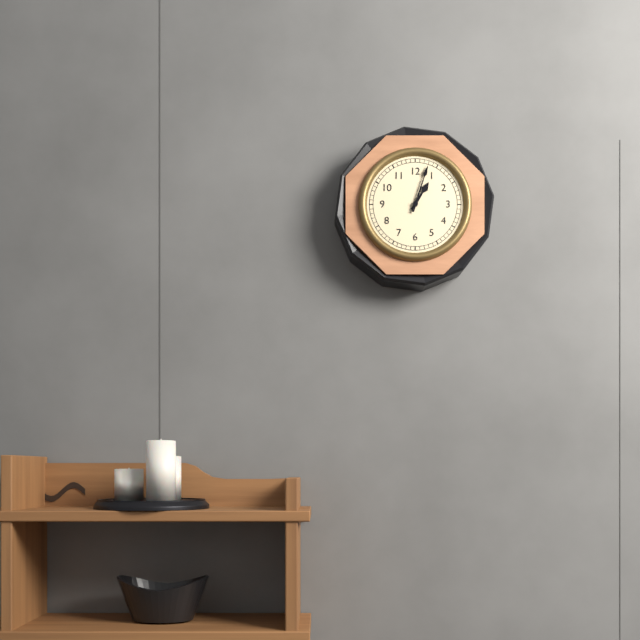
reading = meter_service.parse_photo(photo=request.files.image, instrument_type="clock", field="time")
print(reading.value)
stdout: 1:03
